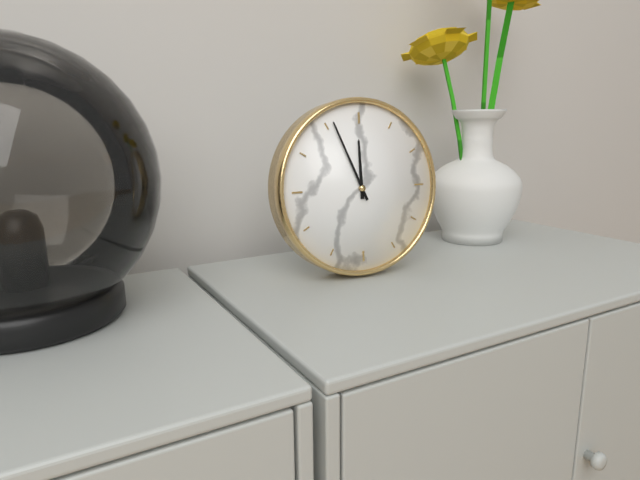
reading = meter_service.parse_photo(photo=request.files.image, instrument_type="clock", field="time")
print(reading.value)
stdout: 11:56
